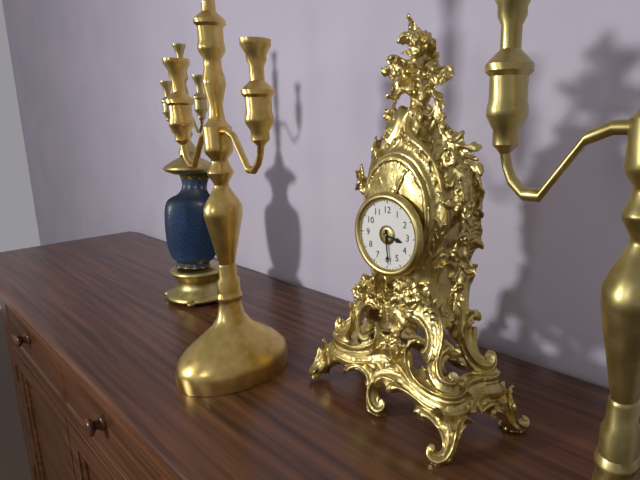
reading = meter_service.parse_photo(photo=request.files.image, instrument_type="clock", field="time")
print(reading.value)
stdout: 3:29
